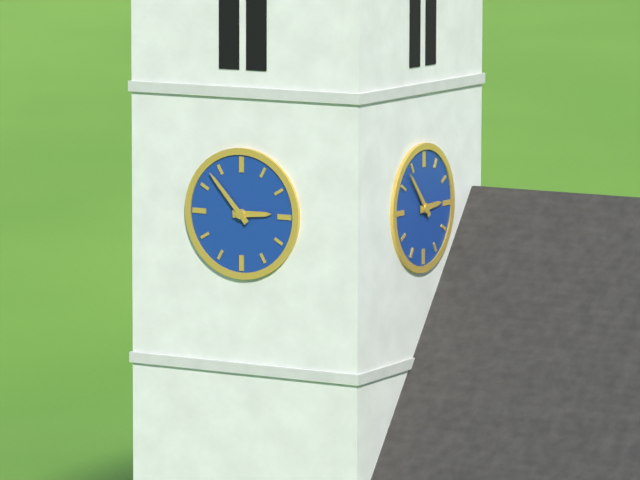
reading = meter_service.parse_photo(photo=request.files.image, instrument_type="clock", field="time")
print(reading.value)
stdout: 2:53
